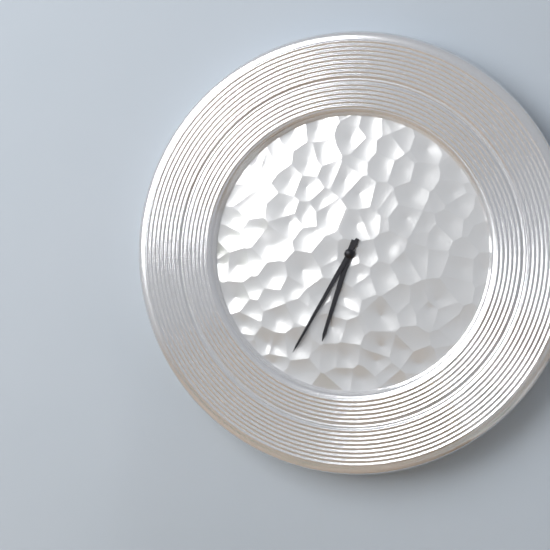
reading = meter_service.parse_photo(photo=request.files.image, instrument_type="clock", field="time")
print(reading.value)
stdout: 6:35
